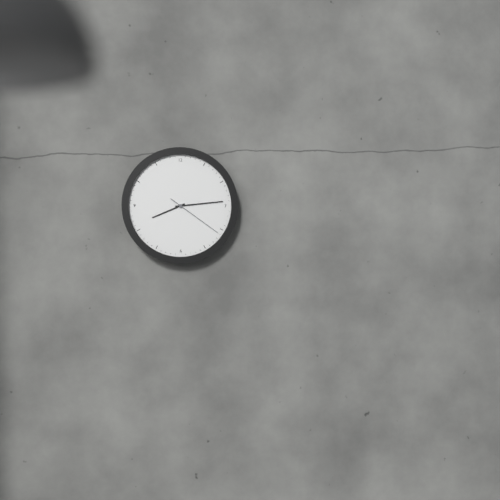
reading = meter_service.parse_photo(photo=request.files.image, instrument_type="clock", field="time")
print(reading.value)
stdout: 8:14:21
